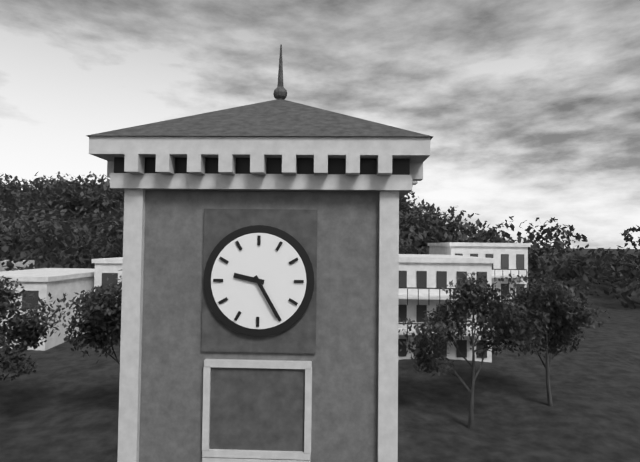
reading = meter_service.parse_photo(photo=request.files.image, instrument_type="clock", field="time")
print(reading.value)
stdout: 9:25
